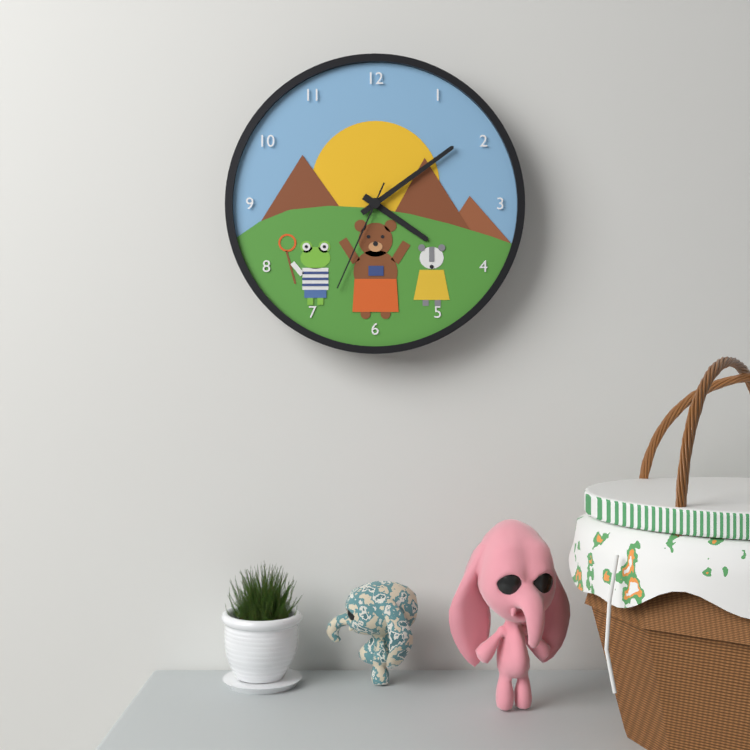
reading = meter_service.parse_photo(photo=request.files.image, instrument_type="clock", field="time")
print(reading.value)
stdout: 4:09:34
